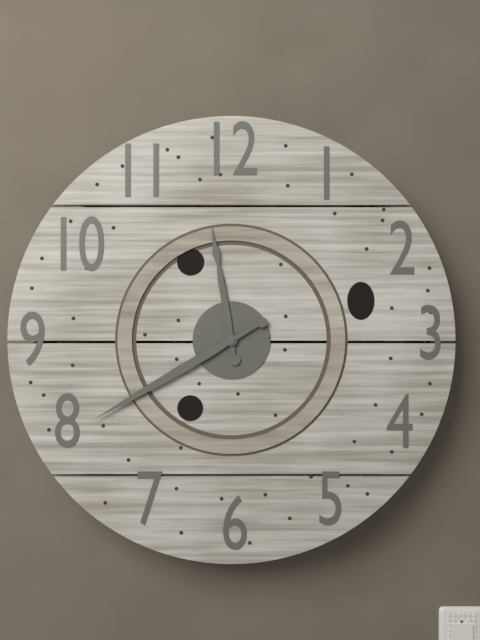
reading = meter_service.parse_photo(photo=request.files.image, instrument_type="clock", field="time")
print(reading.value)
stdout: 11:40
